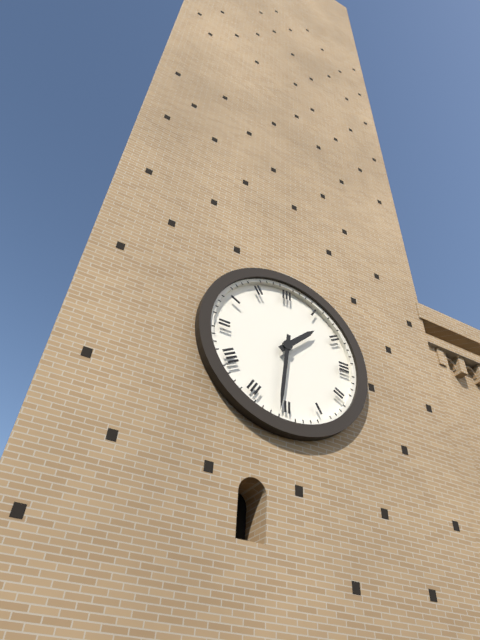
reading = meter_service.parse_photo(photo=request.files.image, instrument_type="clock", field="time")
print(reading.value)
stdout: 1:31
